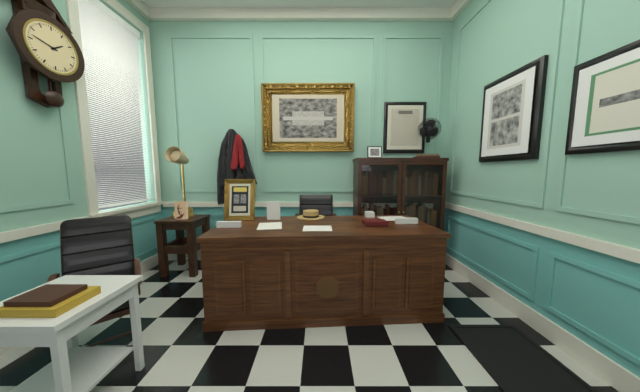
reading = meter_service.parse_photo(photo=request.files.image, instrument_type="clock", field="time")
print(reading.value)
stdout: 1:47
